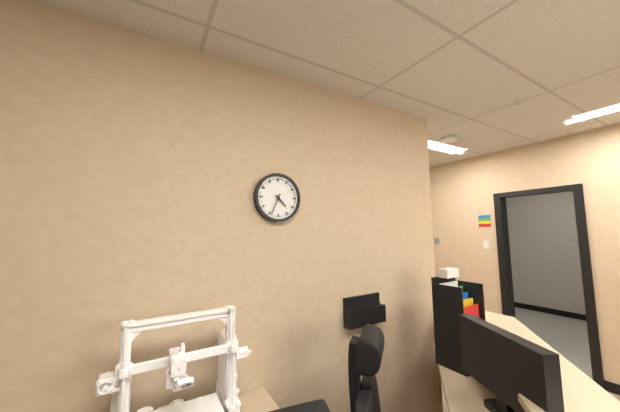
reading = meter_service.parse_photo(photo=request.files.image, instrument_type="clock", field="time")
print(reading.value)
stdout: 4:34
